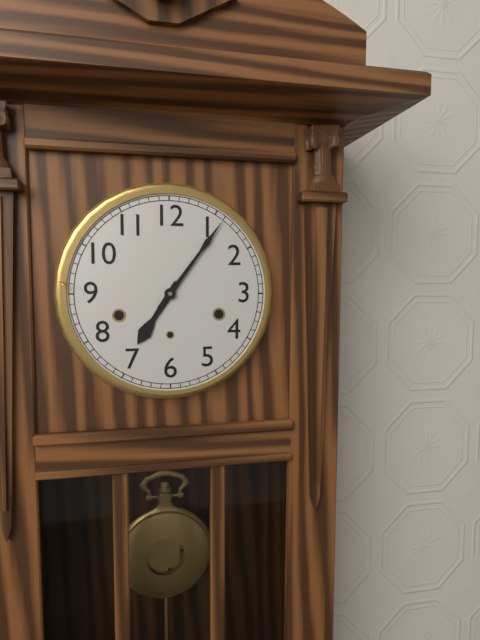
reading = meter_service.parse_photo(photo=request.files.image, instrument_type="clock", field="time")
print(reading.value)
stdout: 7:06
